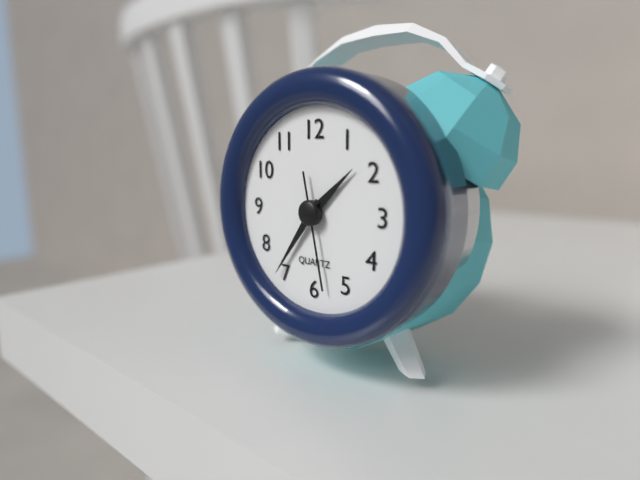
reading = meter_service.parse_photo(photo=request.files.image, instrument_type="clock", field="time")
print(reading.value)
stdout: 1:36:28
